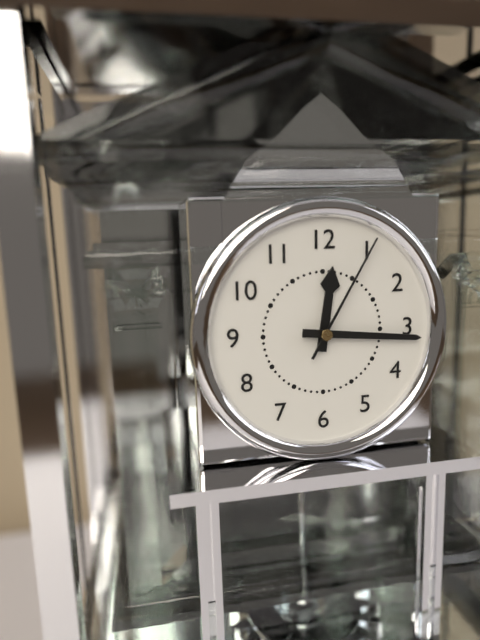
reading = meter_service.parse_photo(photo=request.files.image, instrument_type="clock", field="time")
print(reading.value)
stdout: 12:16:05
